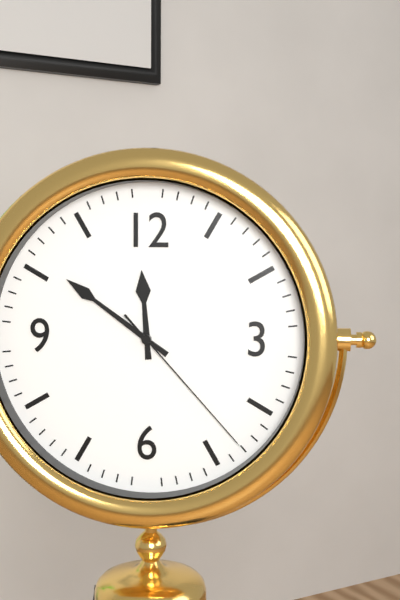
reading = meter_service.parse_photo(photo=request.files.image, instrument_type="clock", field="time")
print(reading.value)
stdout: 11:51:23
